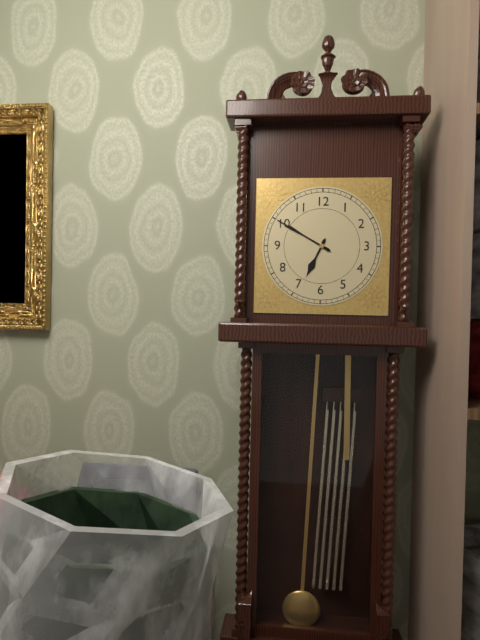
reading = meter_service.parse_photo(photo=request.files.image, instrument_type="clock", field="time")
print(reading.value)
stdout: 6:50
